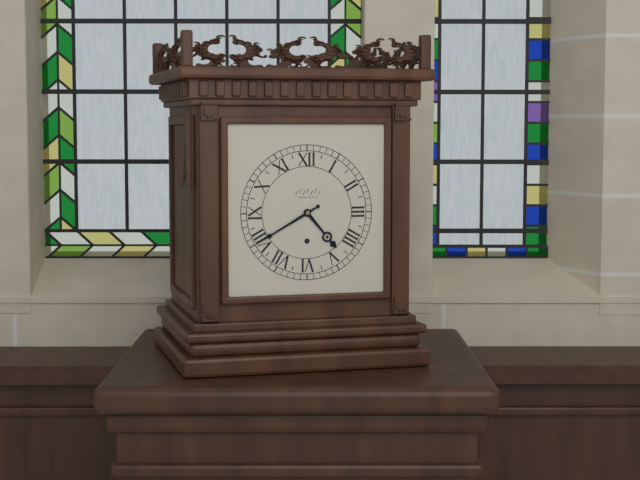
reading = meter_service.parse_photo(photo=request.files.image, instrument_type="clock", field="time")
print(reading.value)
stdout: 4:40
